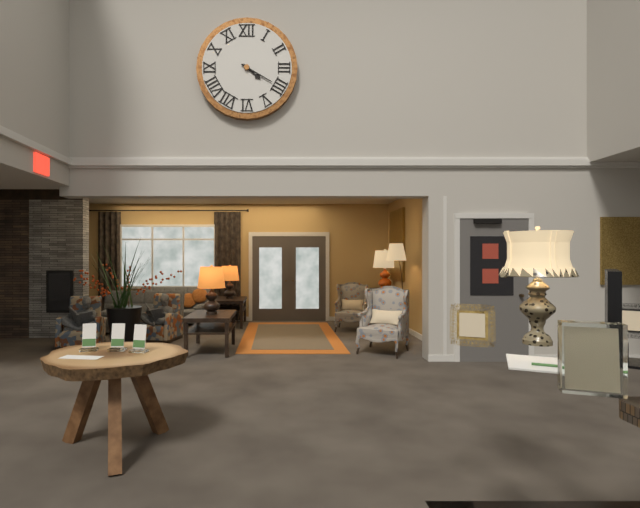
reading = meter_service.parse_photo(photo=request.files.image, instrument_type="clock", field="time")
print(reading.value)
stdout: 4:20
